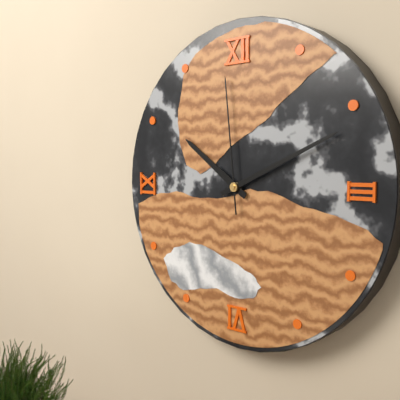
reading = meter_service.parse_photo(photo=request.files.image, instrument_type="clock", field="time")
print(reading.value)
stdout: 10:11:59
